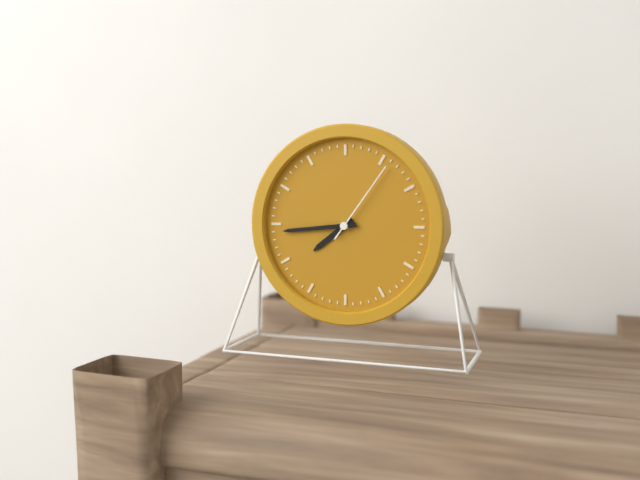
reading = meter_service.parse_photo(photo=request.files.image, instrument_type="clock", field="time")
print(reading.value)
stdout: 7:44:06
